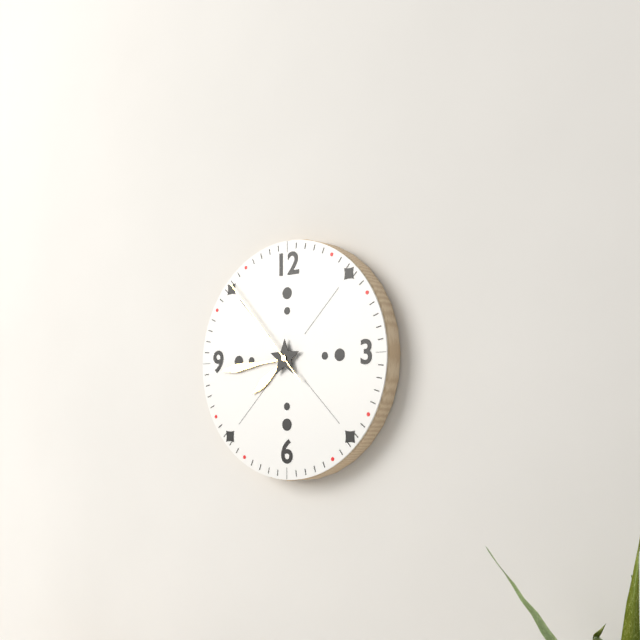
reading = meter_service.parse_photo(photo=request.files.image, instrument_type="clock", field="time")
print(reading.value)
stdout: 7:44:53
